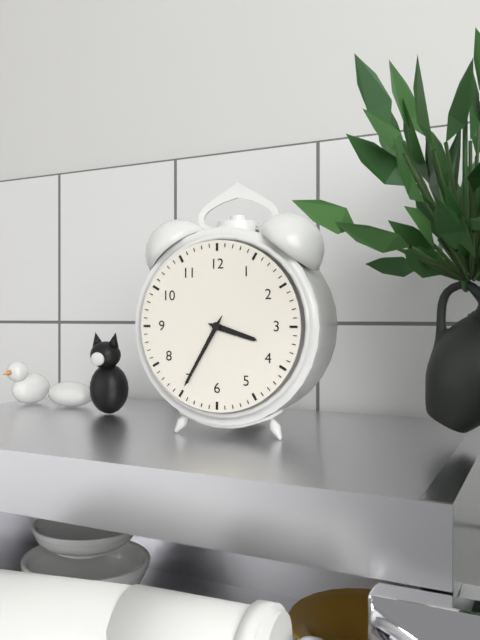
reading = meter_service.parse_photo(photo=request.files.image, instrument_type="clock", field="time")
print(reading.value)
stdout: 3:35
